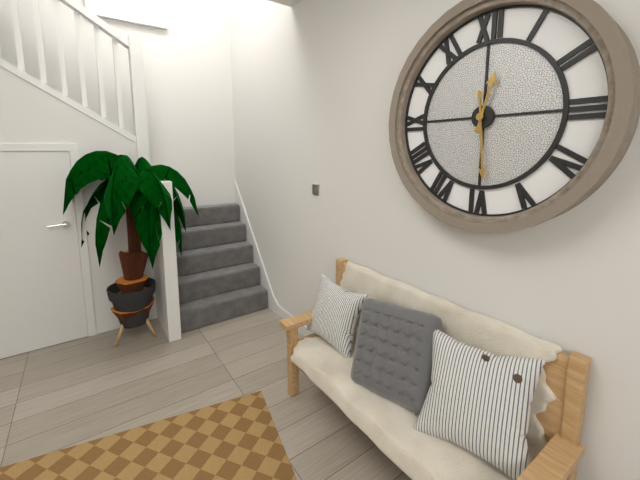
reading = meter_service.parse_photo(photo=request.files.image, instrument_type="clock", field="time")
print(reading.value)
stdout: 12:29
